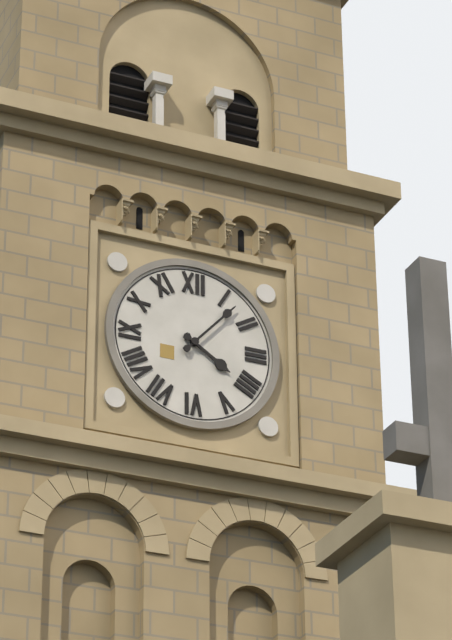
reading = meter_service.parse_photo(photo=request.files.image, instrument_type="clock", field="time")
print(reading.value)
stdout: 4:07
